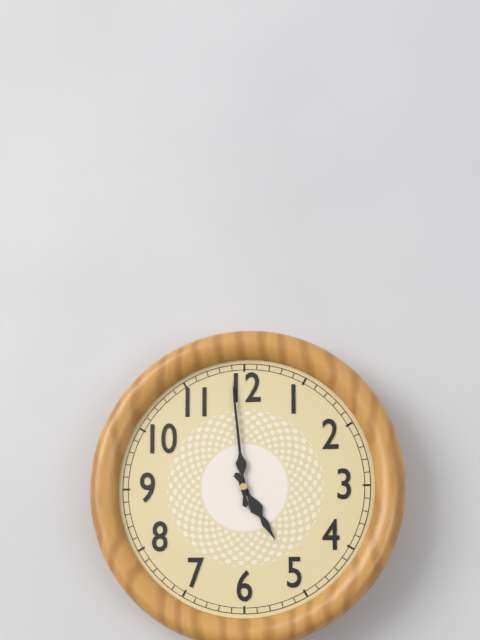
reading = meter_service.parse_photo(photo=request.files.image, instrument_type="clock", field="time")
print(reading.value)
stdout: 4:59
